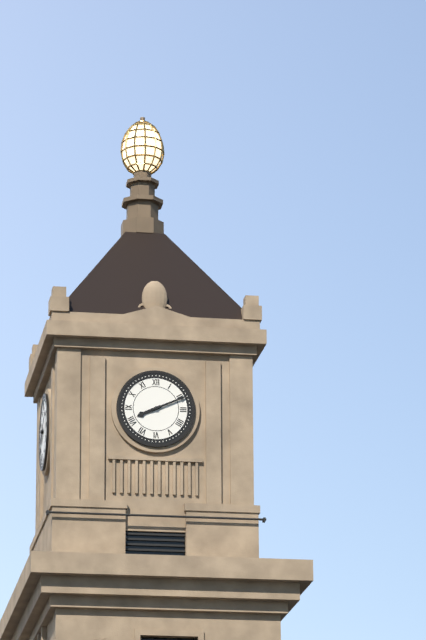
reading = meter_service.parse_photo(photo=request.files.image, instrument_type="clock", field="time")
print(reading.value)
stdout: 8:11
